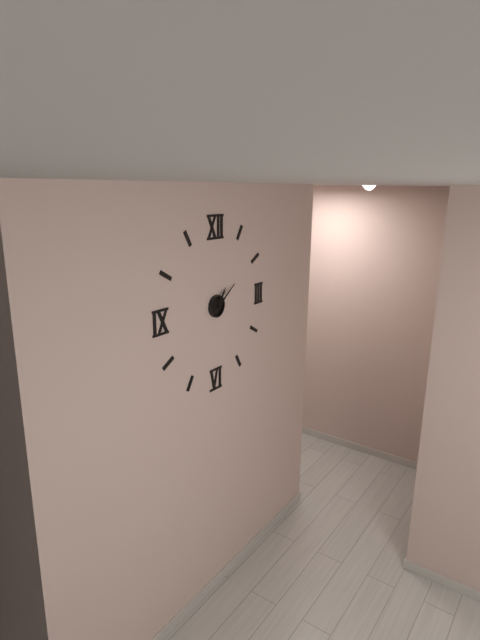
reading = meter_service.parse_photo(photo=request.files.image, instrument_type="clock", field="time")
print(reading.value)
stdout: 1:09
